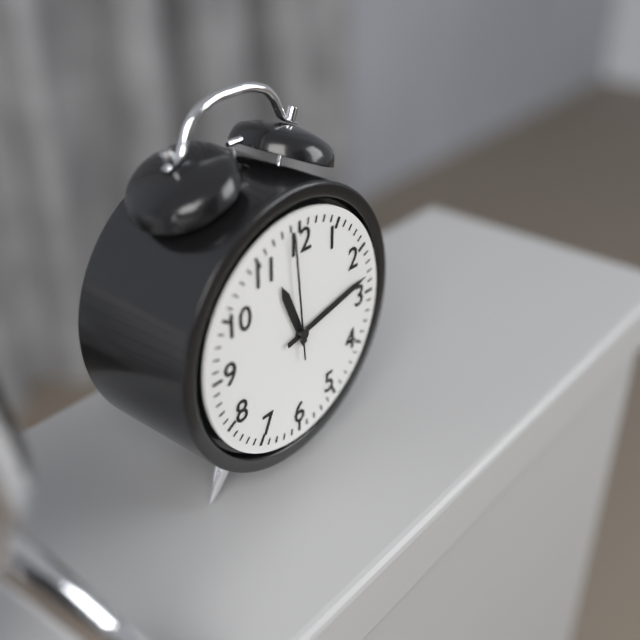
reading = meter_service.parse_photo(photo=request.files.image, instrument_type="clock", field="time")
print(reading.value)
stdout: 11:13:59
